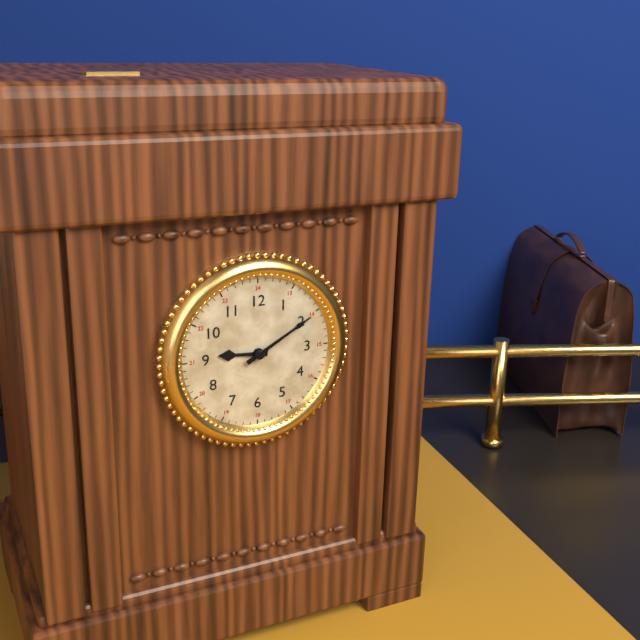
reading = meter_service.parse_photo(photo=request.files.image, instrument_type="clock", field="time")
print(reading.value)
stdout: 9:10
